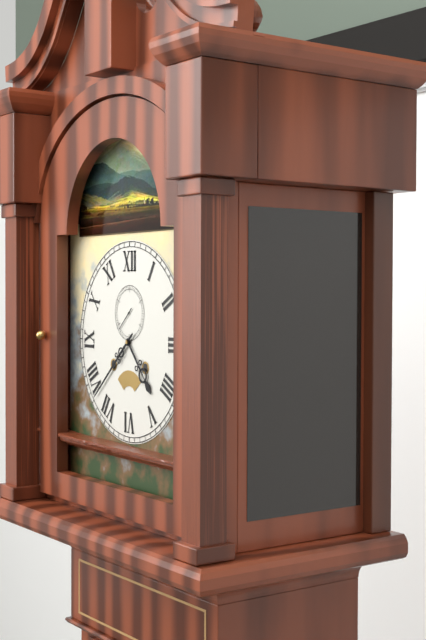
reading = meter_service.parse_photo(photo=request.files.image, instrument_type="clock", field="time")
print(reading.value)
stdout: 4:38
